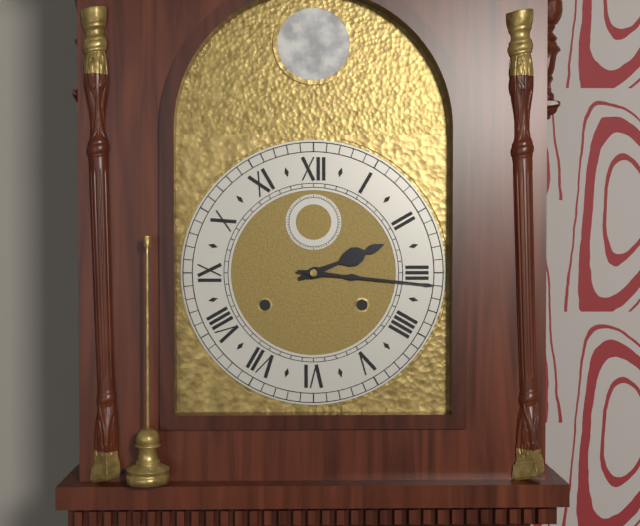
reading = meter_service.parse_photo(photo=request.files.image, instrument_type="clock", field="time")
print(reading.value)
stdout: 2:16
